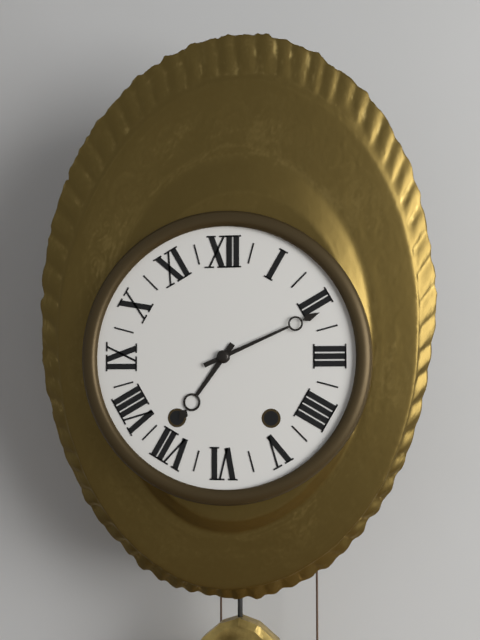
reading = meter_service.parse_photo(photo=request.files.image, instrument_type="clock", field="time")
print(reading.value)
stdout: 7:11
